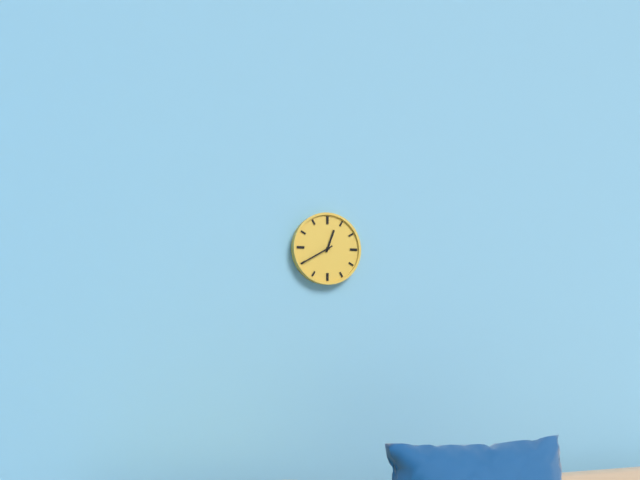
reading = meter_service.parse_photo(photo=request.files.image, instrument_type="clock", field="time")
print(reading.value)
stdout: 12:40
